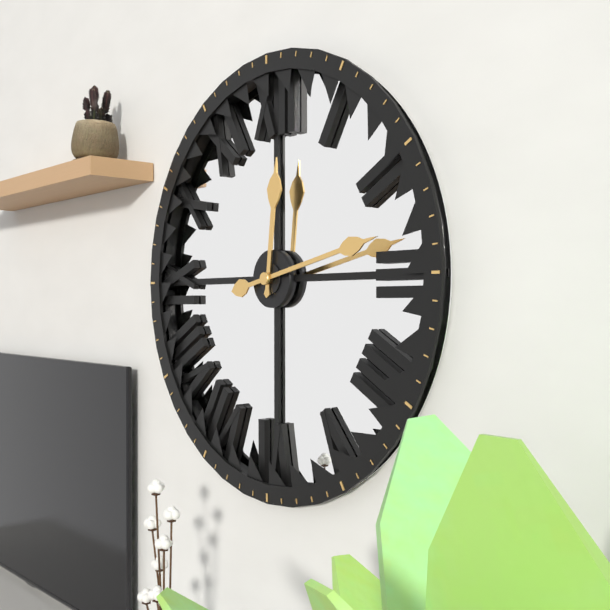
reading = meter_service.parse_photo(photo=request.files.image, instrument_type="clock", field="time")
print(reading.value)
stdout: 12:13
